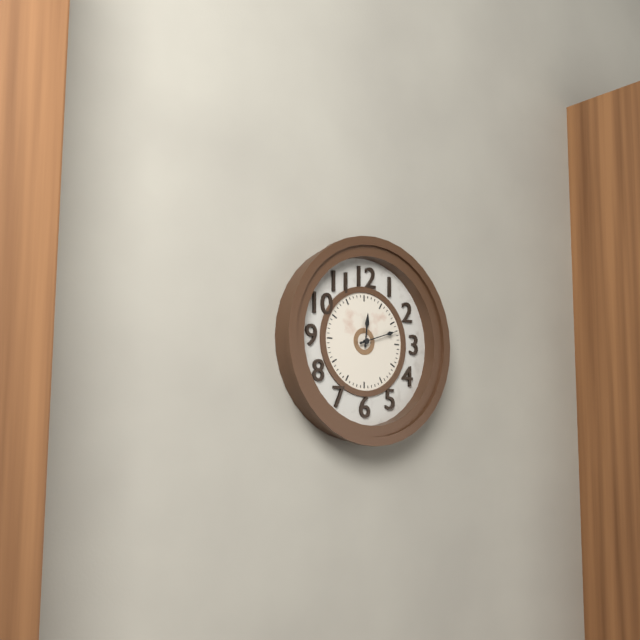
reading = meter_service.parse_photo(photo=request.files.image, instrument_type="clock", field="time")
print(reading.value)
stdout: 12:12
